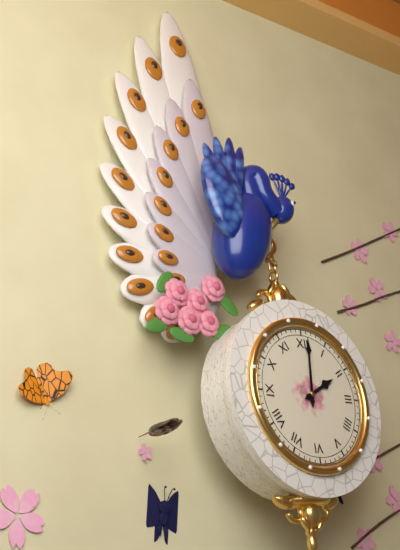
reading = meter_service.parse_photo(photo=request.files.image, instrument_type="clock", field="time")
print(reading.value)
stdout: 2:01
